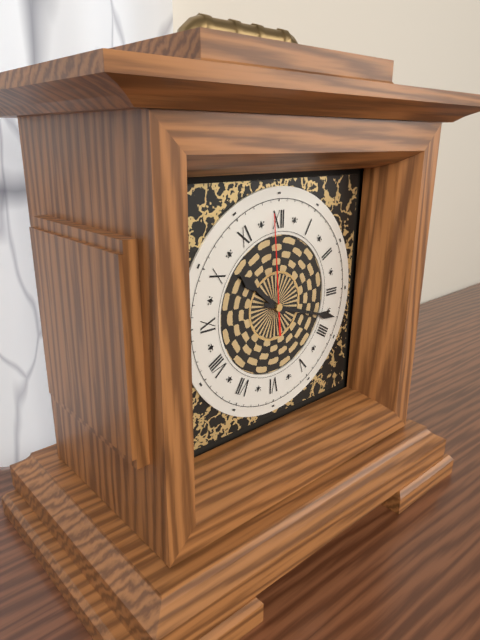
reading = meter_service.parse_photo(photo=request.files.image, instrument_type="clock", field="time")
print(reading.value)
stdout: 10:18:59
